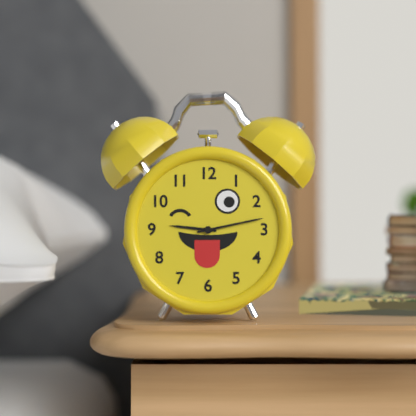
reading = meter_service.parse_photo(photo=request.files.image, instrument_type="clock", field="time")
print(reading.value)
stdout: 9:13
